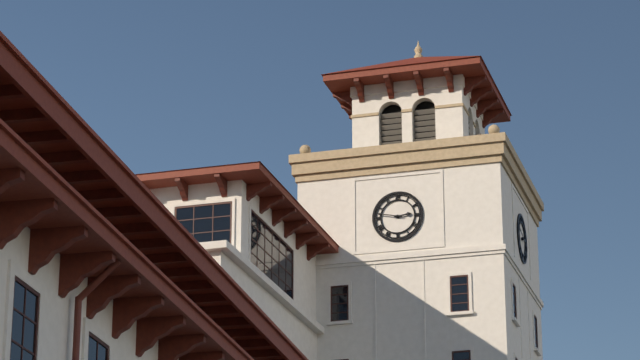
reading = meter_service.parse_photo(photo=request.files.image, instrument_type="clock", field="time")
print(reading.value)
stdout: 2:47
